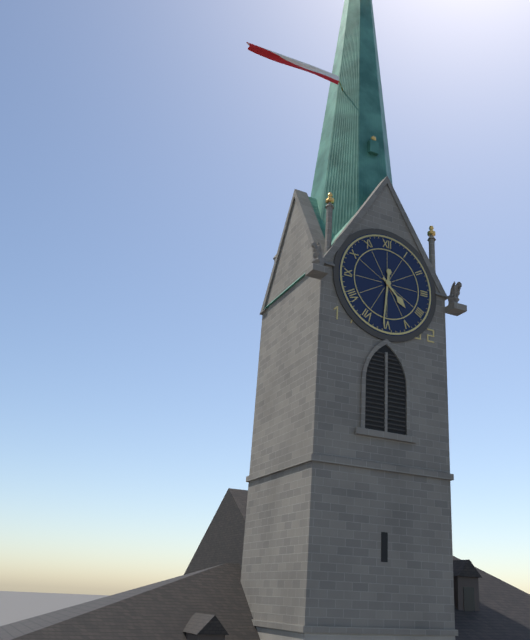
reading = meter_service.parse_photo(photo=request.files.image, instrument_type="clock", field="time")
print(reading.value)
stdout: 4:31
